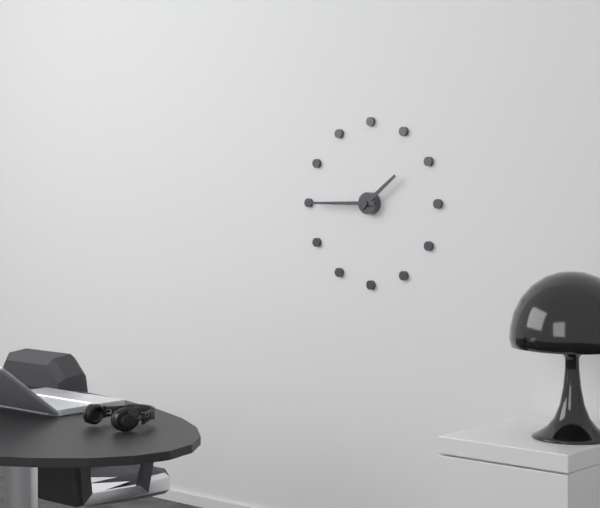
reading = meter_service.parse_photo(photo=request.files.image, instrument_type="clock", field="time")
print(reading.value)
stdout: 1:45
